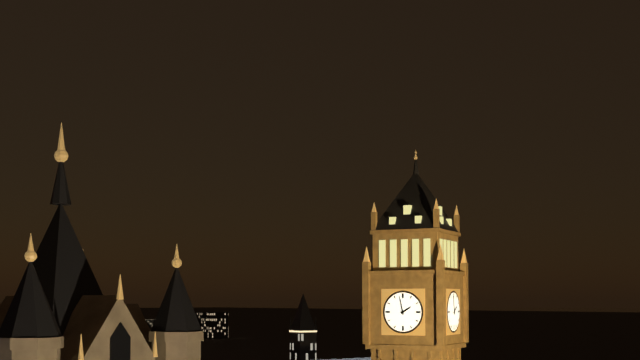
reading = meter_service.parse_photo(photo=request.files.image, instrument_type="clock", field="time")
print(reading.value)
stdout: 1:58
